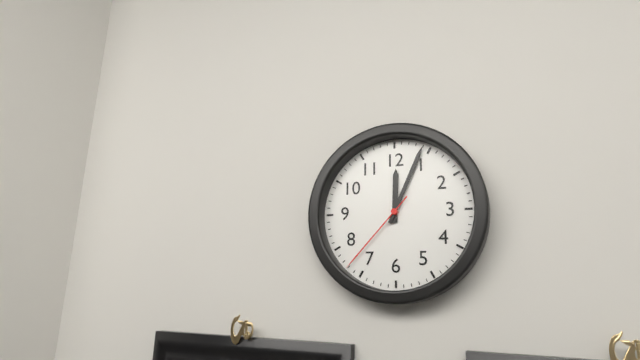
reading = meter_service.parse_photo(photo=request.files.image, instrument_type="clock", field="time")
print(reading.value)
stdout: 12:04:37
